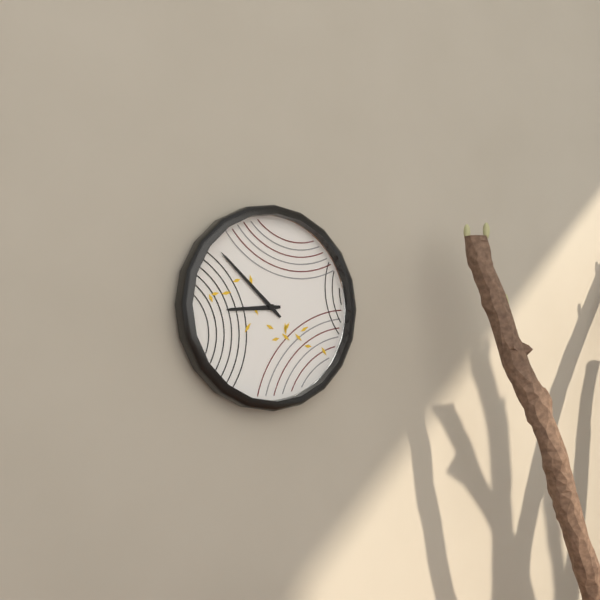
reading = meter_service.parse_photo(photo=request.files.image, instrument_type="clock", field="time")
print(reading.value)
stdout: 8:52
